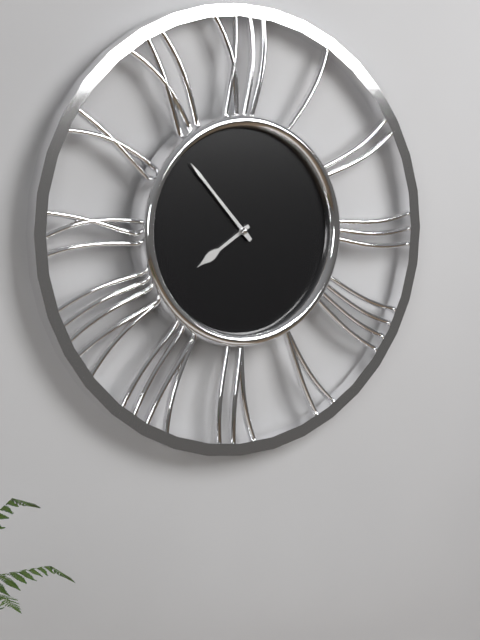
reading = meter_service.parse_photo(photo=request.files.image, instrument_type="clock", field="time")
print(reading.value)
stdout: 7:53
